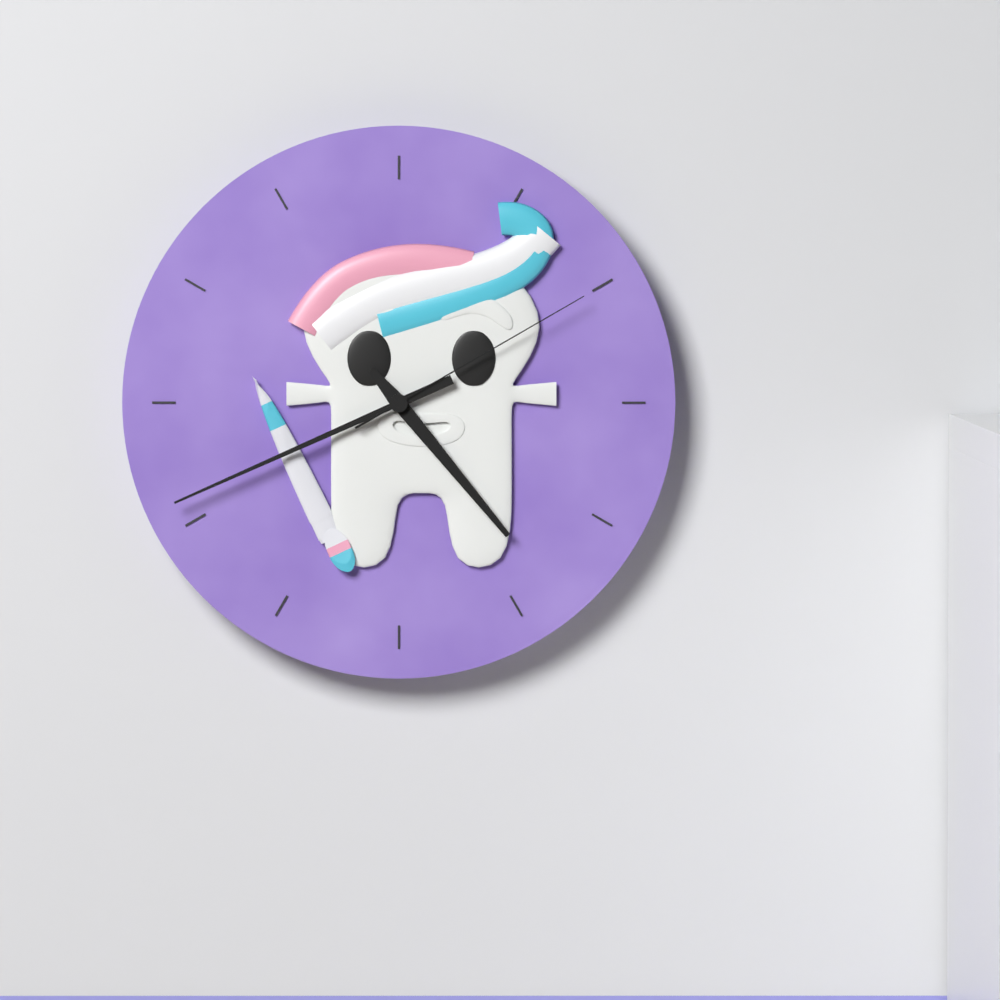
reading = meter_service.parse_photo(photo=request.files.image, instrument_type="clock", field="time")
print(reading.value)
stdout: 4:41:10
